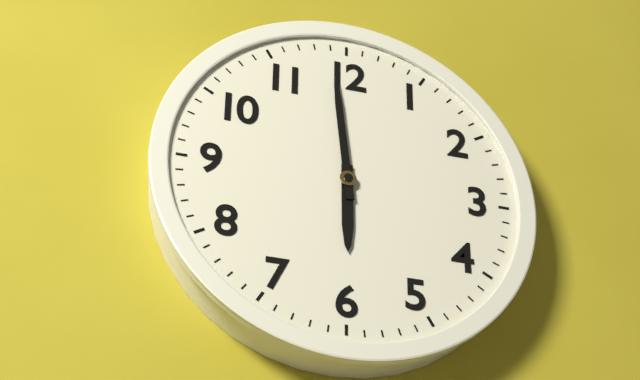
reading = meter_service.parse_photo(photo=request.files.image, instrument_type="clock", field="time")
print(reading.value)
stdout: 5:59
